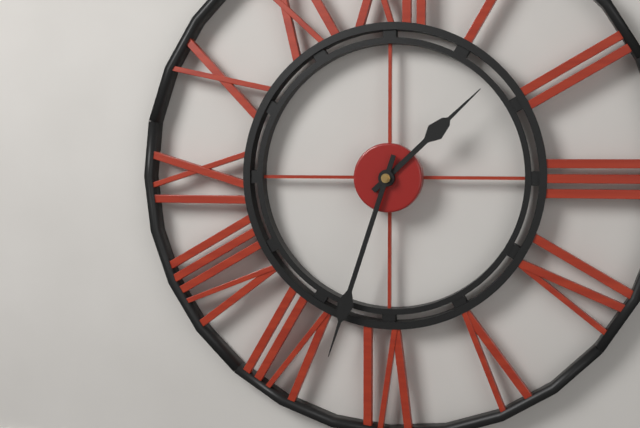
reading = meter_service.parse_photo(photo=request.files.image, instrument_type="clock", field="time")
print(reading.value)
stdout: 1:33
